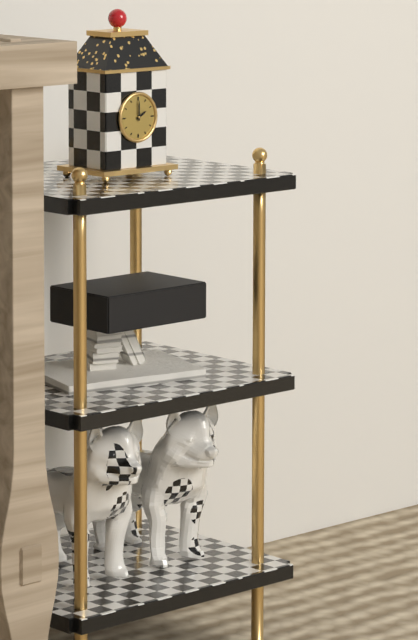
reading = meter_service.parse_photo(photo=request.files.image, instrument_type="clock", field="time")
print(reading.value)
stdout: 2:00
